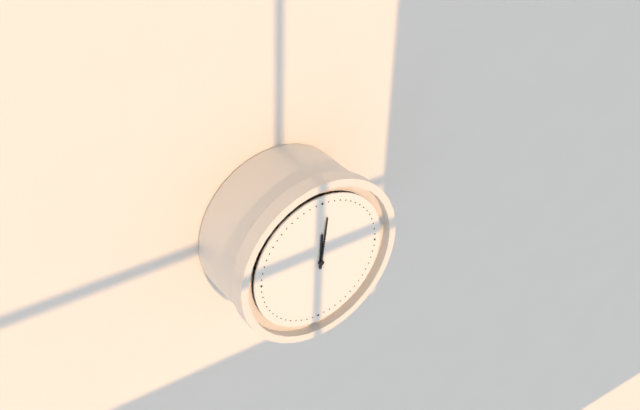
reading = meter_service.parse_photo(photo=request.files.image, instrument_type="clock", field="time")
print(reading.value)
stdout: 12:01
